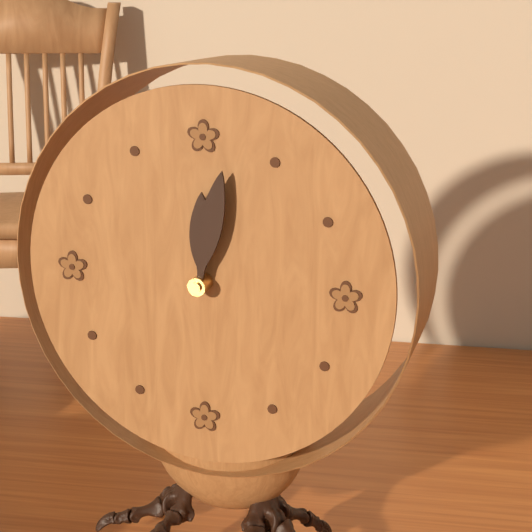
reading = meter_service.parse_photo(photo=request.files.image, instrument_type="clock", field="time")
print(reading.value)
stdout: 12:02
